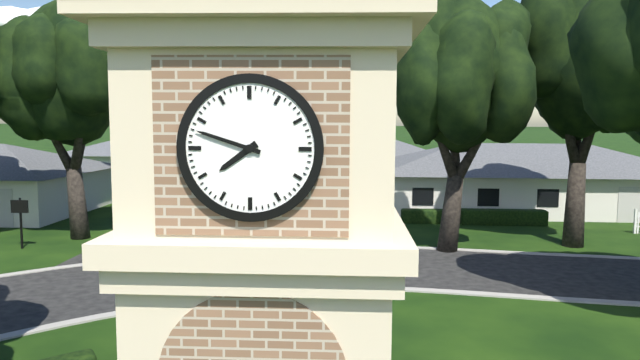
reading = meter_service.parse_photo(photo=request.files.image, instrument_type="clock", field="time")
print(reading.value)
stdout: 7:48
